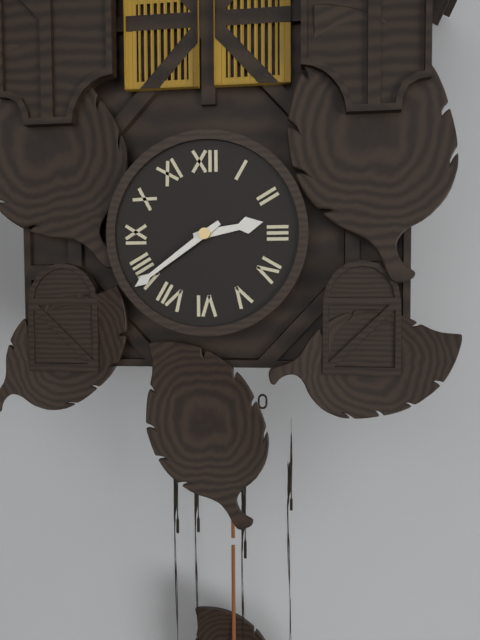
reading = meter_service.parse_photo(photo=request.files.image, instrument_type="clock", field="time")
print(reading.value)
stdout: 2:39
